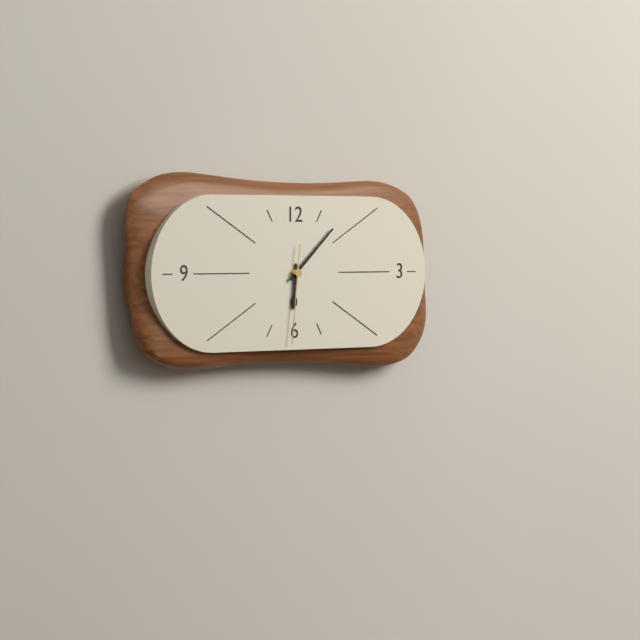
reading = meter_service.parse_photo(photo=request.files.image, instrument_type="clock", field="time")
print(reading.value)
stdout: 6:08:31
